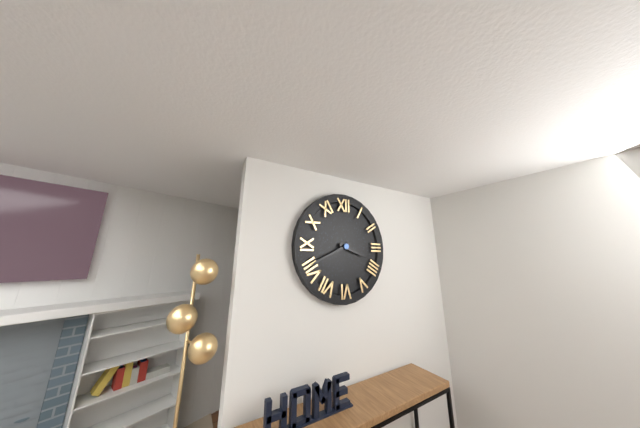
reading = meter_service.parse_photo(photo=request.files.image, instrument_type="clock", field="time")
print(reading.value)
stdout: 3:41
